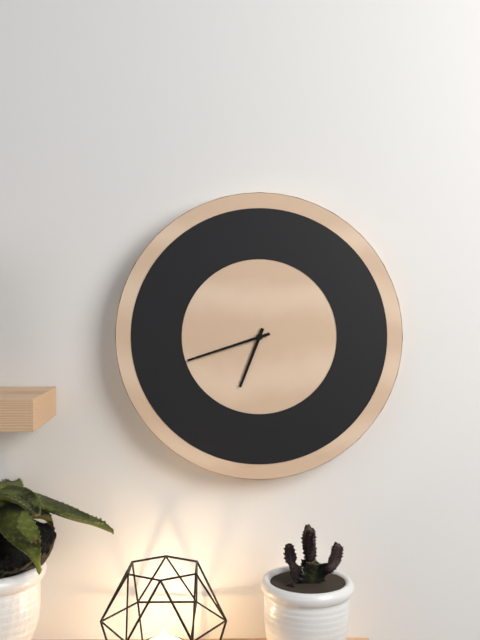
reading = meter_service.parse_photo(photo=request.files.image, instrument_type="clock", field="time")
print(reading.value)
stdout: 6:42
